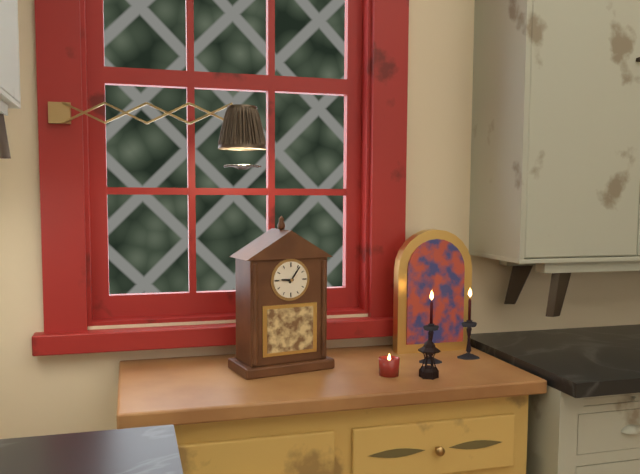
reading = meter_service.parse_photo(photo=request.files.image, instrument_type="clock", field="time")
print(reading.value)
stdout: 9:06
